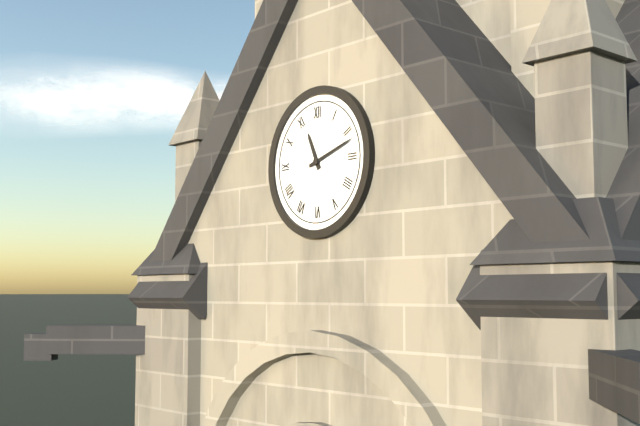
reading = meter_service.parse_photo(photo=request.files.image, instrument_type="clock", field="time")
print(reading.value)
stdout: 11:12
